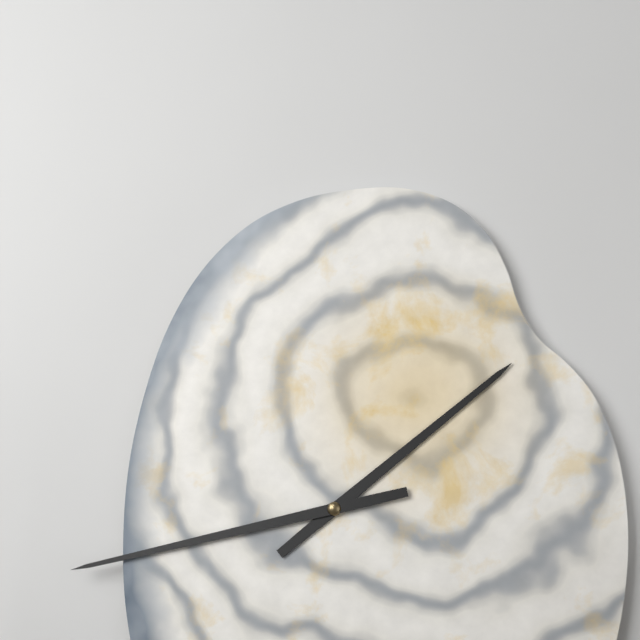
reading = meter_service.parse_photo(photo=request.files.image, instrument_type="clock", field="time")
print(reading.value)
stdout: 1:43
